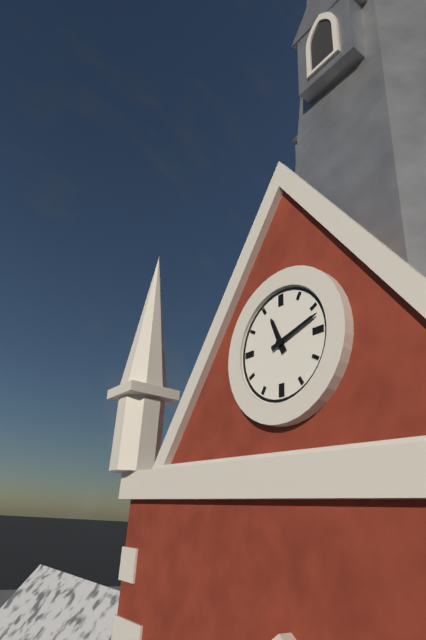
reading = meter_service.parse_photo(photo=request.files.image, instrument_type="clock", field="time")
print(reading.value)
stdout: 11:12
